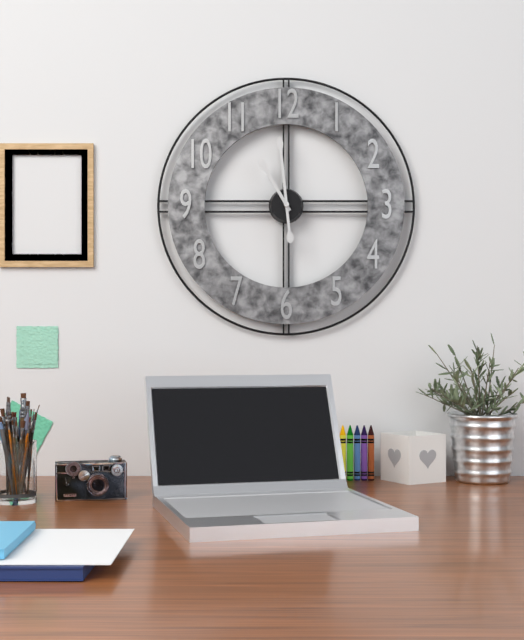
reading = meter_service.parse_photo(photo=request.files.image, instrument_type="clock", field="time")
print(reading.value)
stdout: 10:59
